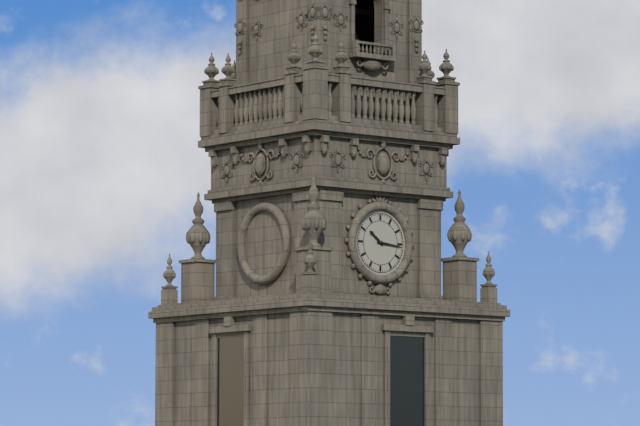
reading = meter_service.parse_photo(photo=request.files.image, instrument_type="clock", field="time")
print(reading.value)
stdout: 10:16
